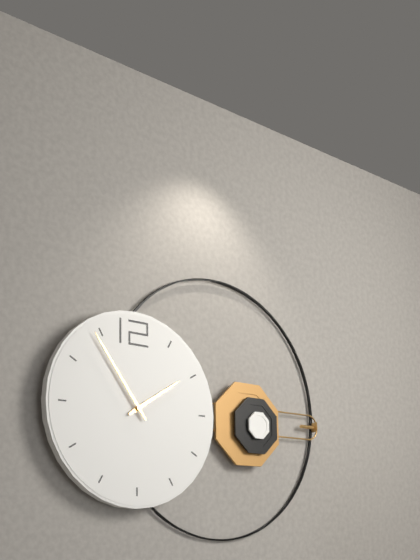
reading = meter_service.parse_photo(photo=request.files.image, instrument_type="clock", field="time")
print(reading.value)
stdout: 1:54
